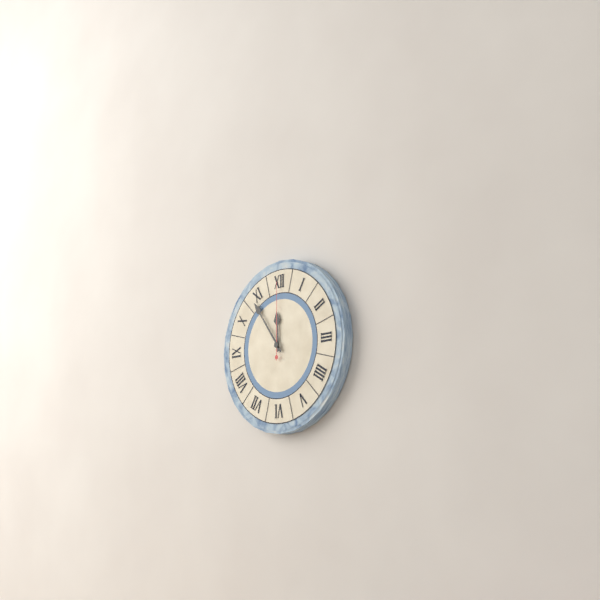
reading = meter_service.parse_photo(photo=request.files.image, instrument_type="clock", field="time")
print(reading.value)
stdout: 11:54:00
